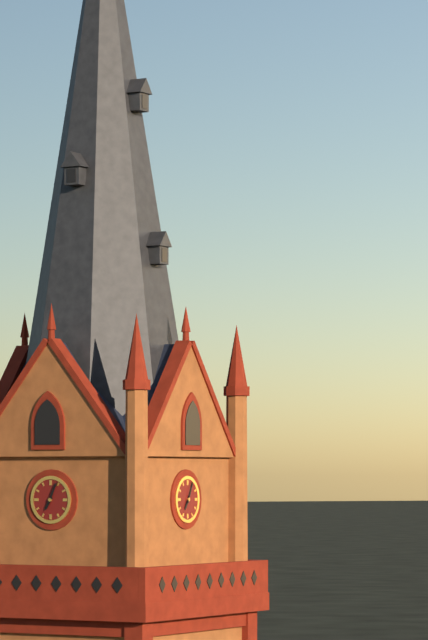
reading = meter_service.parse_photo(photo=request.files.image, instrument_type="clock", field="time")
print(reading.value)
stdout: 7:04
